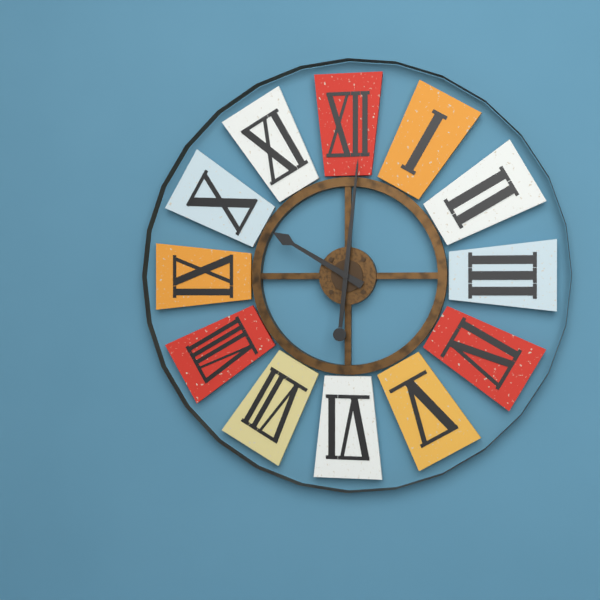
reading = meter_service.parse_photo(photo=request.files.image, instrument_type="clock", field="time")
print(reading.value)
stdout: 10:01
